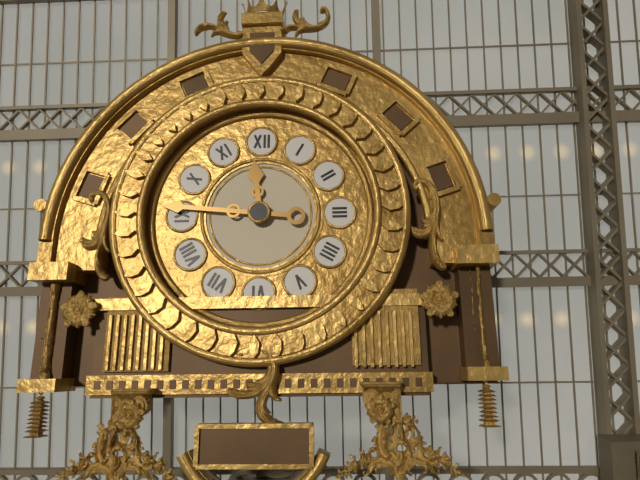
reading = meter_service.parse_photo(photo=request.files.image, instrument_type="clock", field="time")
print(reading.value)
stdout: 11:46
